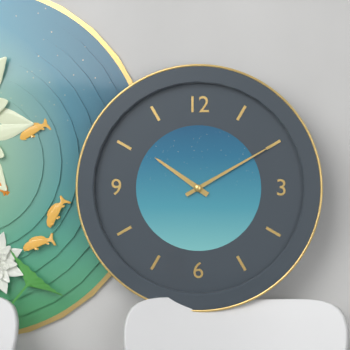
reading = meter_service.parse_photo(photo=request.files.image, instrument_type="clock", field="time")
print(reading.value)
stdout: 10:10
